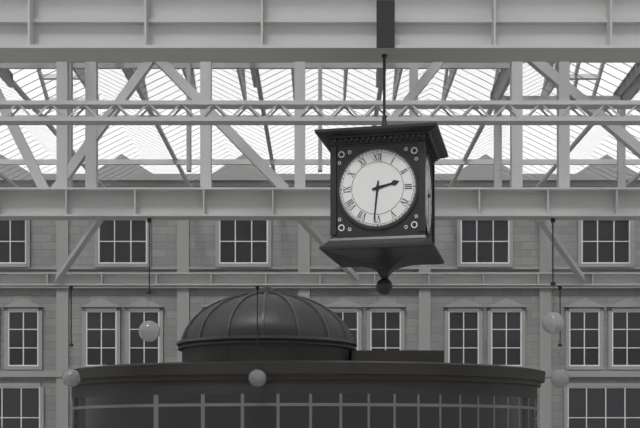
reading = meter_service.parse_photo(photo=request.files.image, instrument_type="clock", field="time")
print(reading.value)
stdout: 2:31
